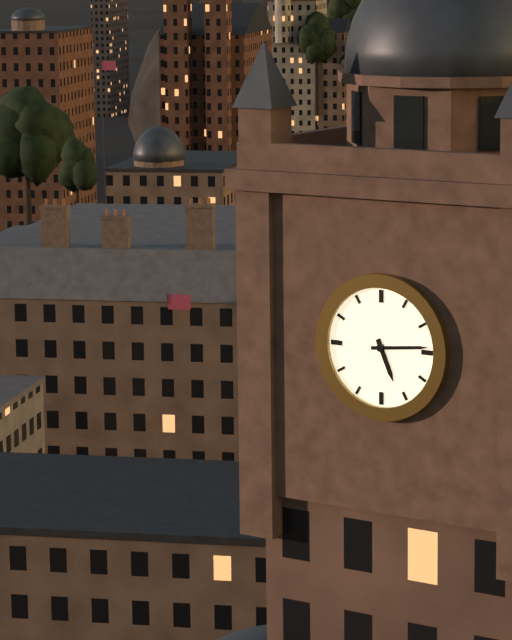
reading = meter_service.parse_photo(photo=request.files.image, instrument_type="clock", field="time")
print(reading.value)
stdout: 5:14
